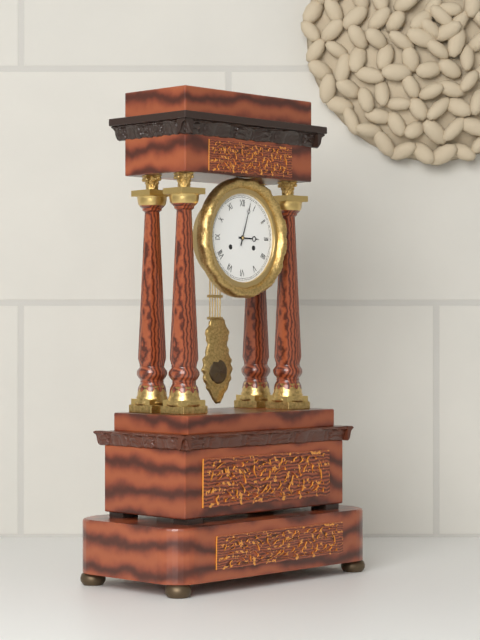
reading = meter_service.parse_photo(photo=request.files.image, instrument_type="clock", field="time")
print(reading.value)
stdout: 3:03
